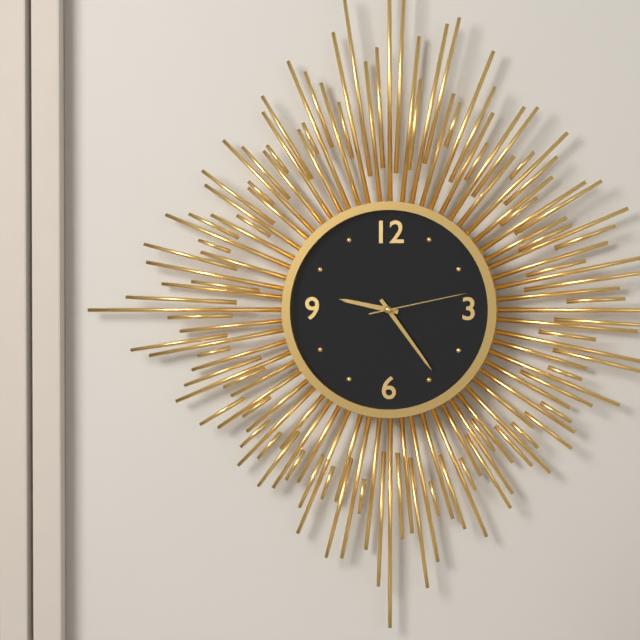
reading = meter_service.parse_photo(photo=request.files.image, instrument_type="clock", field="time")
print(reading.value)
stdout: 9:24:13
